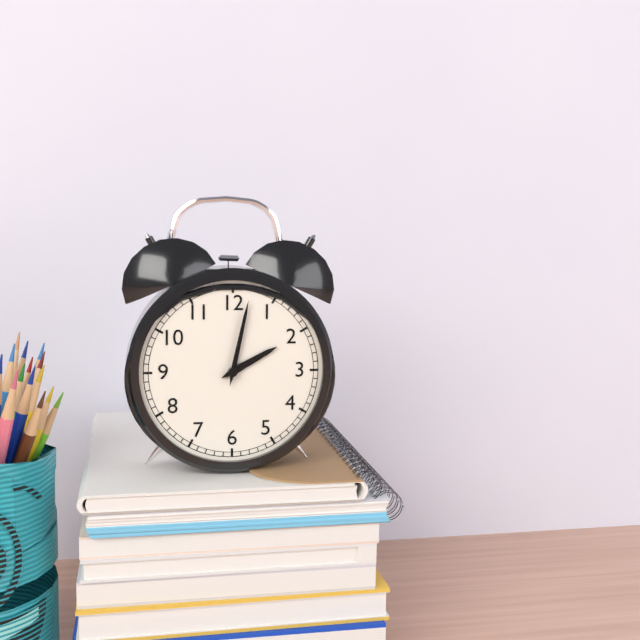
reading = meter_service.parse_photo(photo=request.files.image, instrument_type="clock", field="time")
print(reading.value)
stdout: 2:02
